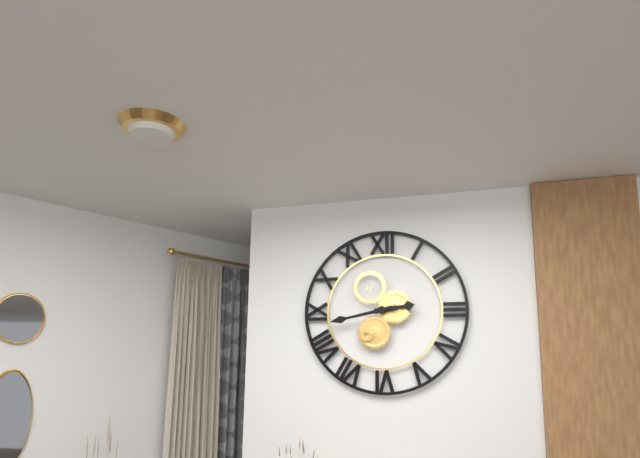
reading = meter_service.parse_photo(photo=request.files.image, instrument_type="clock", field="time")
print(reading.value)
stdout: 2:43
